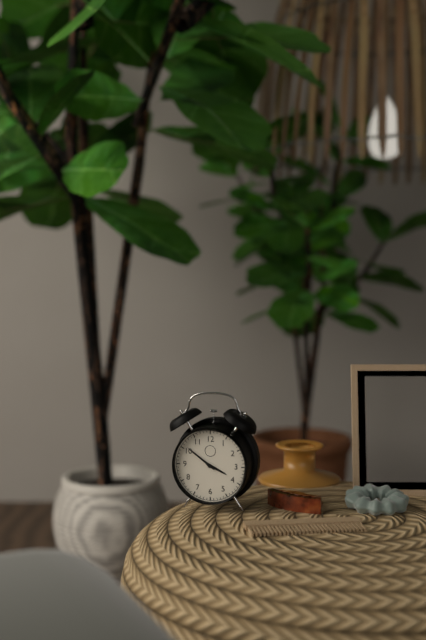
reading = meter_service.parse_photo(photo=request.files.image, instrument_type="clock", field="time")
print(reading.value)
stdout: 3:51
